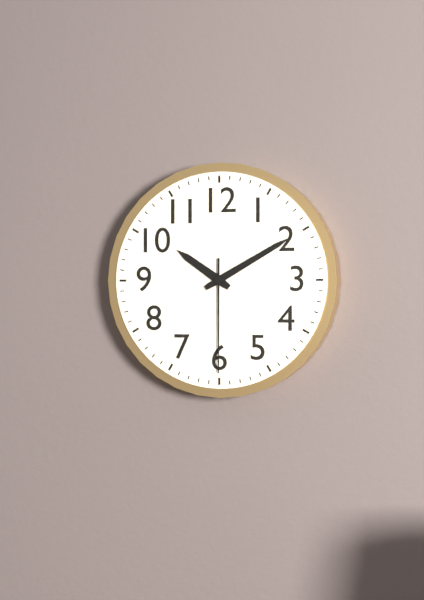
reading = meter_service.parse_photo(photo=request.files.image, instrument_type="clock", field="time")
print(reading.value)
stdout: 10:10:30
